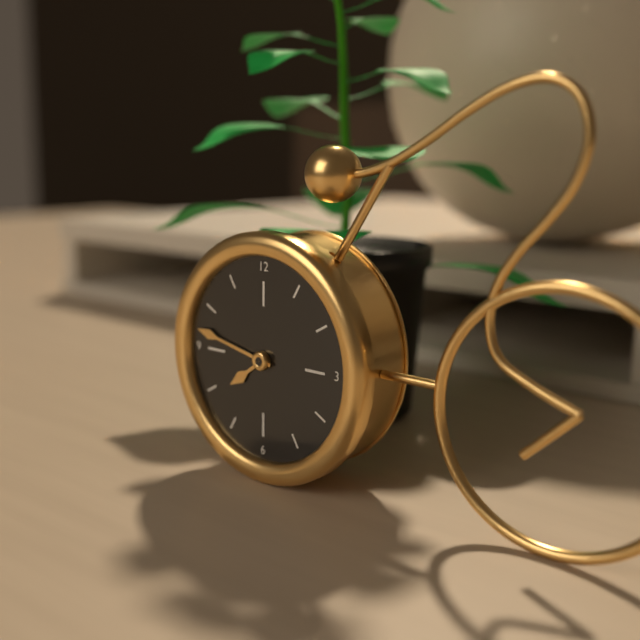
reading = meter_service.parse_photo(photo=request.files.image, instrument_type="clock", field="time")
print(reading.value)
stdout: 7:47
